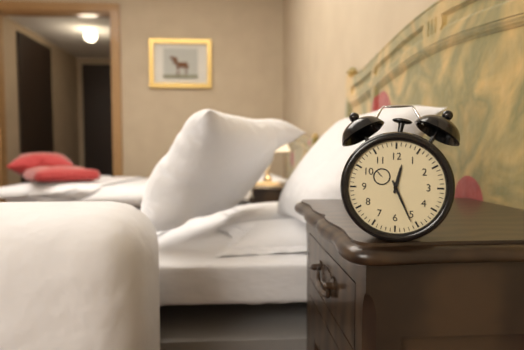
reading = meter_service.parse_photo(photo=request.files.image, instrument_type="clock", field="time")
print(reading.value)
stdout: 12:26
